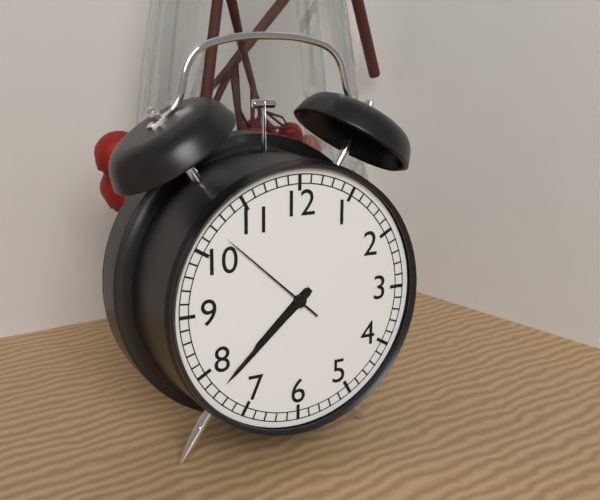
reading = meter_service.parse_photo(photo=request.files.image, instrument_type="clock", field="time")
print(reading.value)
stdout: 7:38:52
